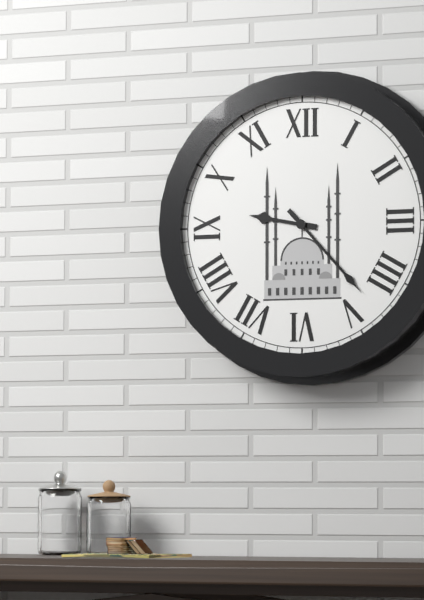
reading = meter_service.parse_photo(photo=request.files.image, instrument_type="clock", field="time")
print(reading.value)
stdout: 9:23
